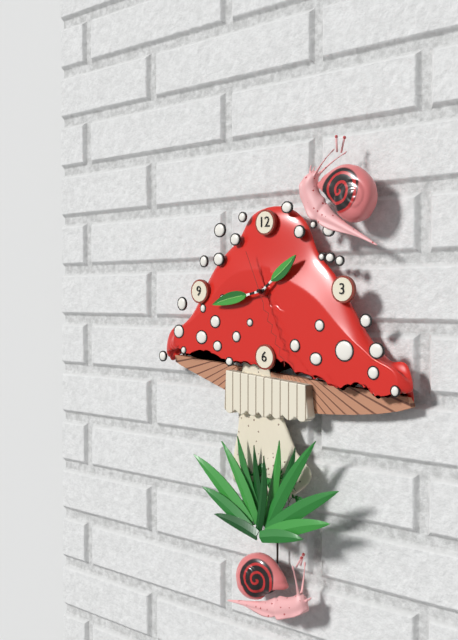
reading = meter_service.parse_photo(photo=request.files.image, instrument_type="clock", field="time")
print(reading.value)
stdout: 1:43:26
